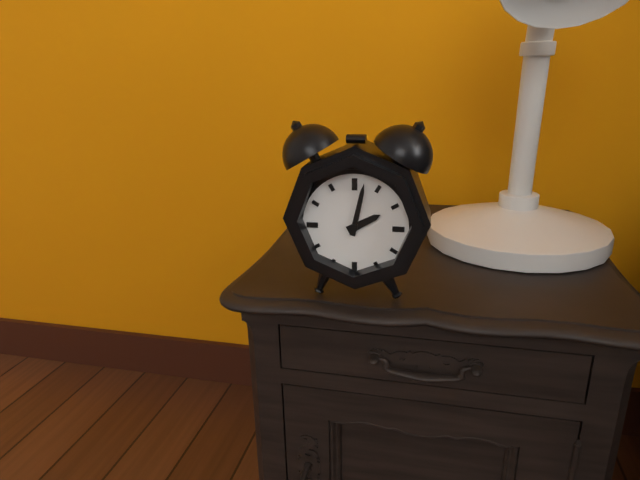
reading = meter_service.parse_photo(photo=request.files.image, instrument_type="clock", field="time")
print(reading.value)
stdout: 2:02
